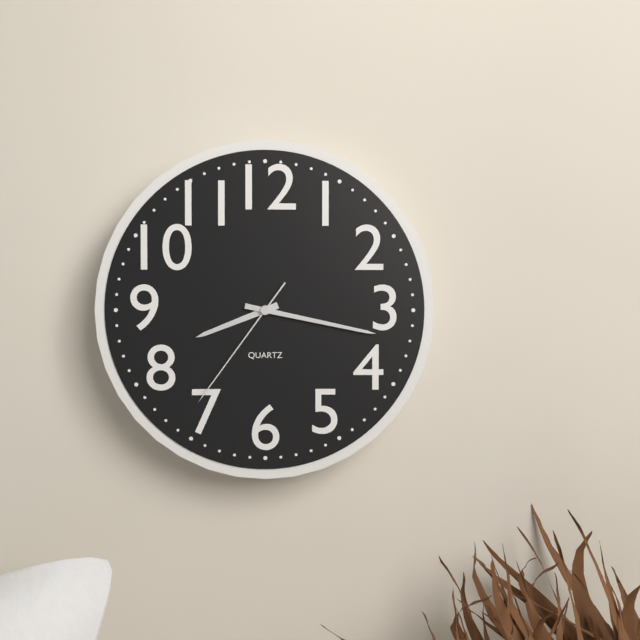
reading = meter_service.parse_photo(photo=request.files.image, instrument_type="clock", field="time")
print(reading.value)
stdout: 8:17:36
